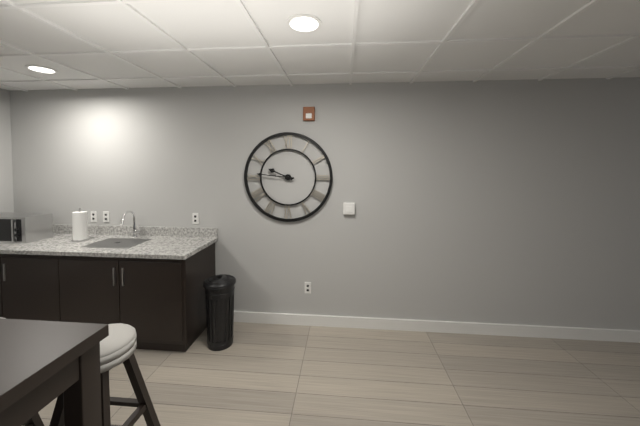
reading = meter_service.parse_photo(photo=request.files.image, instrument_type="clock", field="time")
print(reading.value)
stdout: 9:46
